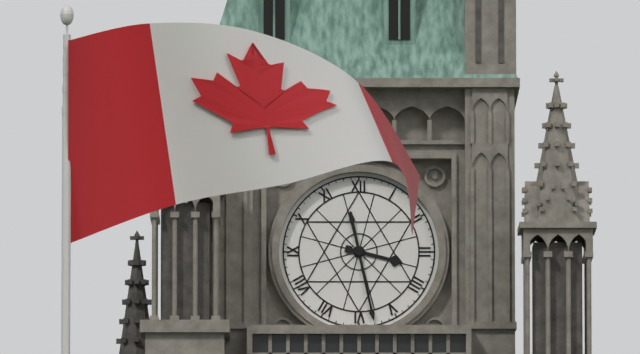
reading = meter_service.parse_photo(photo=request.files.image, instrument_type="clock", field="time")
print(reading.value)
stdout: 3:28
